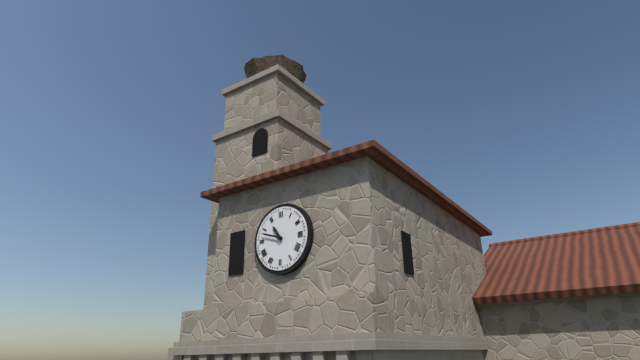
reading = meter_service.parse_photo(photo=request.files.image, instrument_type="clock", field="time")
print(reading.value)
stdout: 10:48
